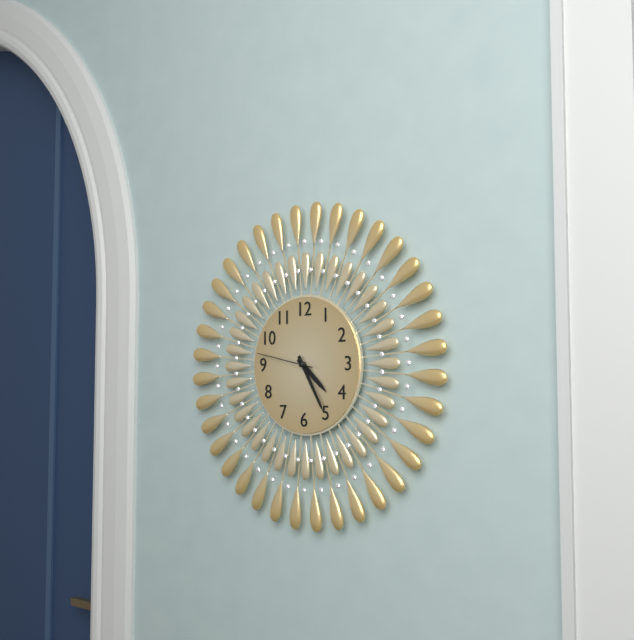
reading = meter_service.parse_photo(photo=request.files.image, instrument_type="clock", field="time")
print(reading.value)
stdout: 4:25:47
